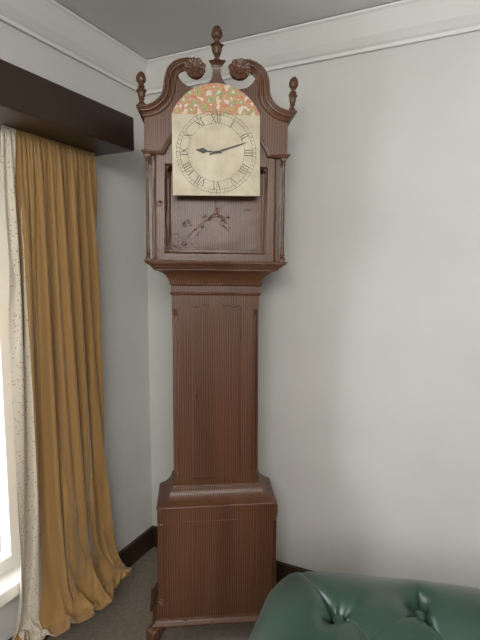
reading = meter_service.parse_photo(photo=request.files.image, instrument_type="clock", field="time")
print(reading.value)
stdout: 9:12
